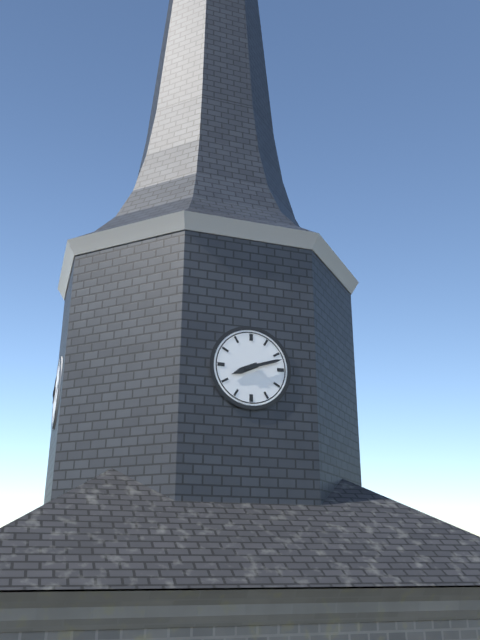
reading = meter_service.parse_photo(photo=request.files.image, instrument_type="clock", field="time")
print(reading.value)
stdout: 8:12
